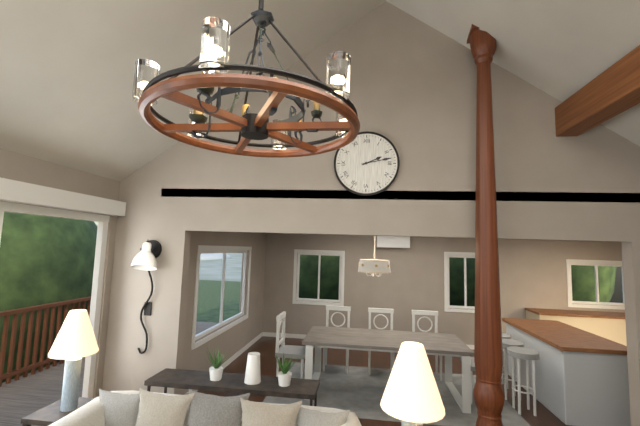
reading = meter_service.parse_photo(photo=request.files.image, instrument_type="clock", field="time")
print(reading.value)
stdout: 2:13
